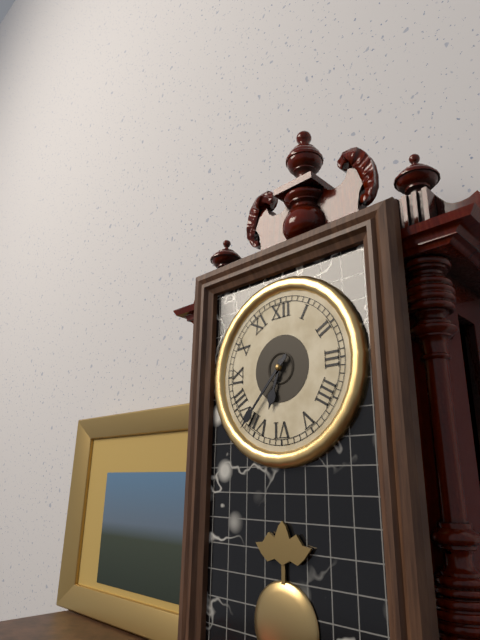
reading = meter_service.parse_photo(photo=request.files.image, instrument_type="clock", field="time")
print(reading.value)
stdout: 6:37
